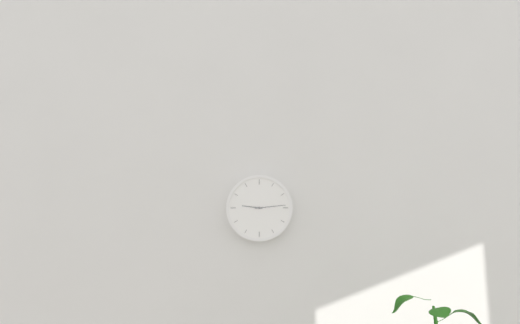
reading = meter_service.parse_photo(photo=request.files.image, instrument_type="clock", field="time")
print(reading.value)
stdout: 9:14
